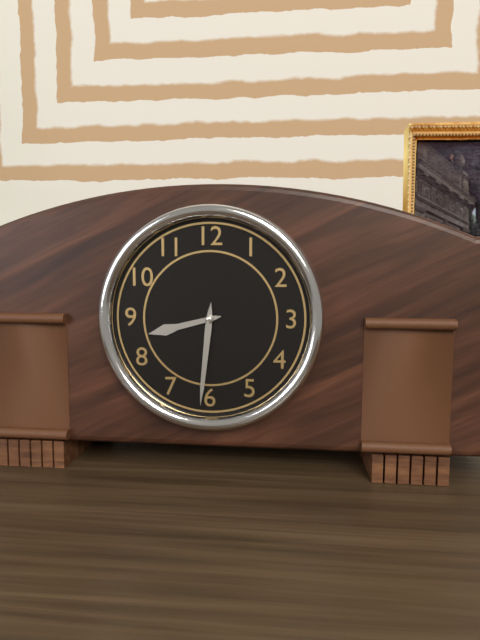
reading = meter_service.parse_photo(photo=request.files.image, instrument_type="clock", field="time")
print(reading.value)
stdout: 8:31
